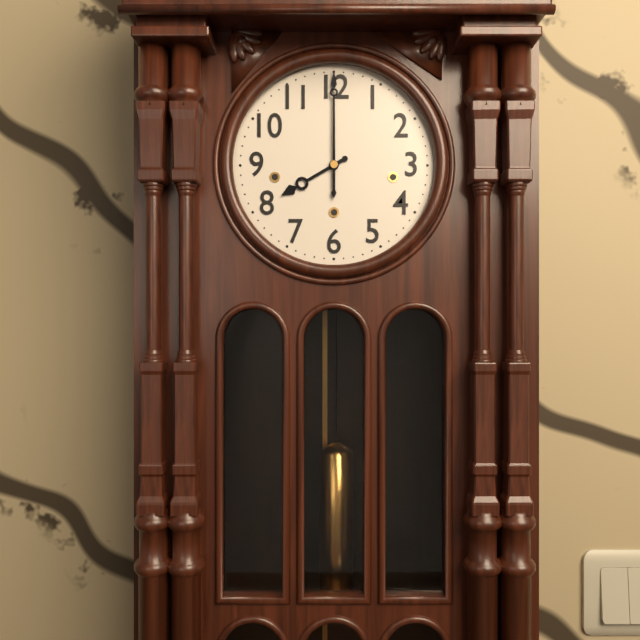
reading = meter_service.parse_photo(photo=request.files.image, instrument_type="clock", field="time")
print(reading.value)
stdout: 8:00
